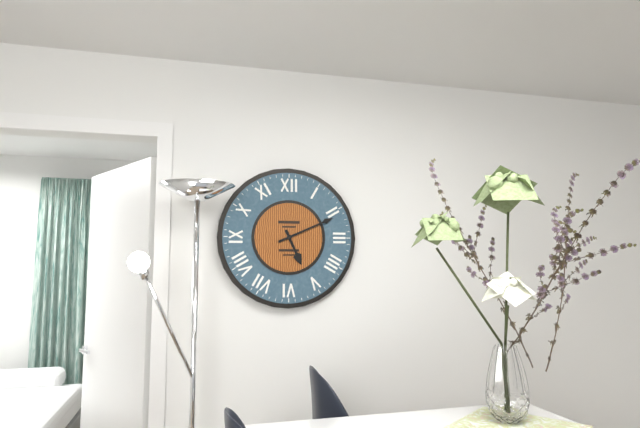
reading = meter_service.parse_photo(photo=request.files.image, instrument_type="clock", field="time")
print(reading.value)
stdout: 5:11
